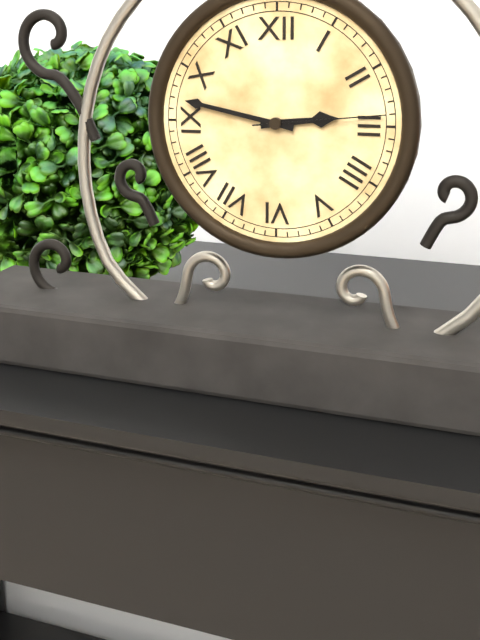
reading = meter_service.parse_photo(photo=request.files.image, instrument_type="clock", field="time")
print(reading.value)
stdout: 2:47:14
